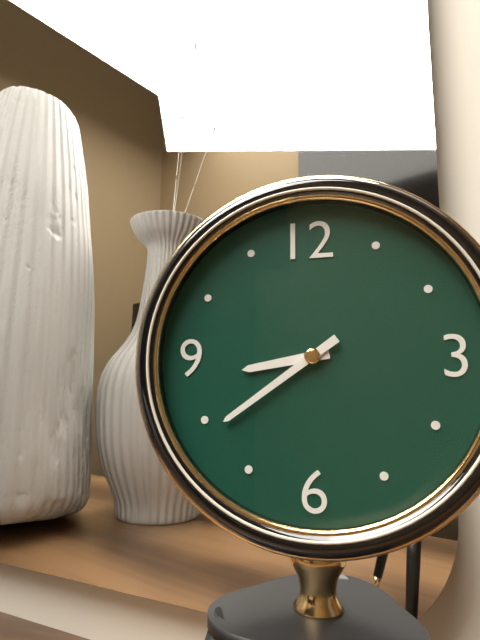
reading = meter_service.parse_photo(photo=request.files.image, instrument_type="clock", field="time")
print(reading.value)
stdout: 8:39
